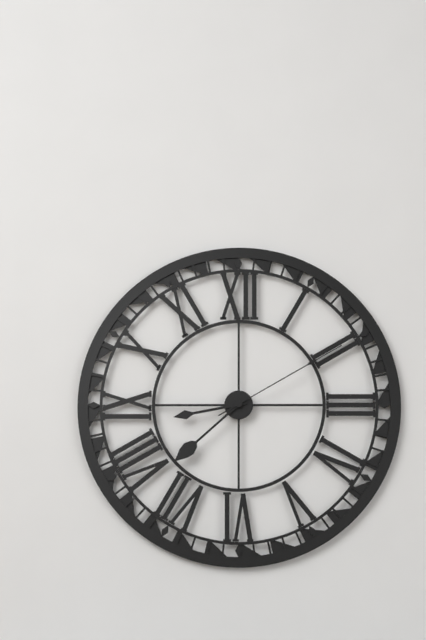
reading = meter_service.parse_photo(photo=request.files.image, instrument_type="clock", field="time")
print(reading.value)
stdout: 8:38:10
